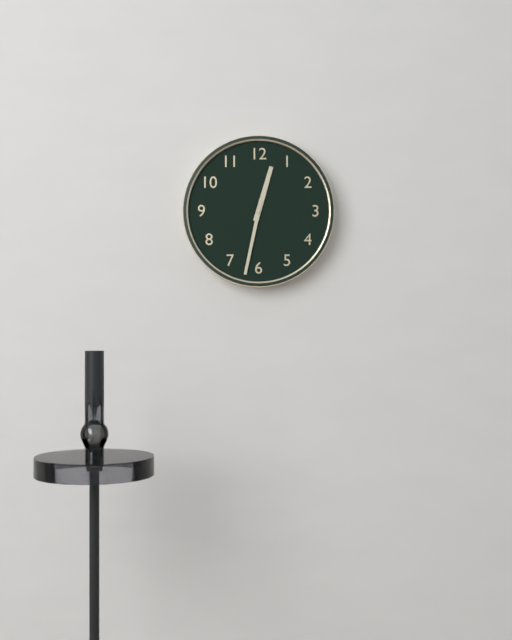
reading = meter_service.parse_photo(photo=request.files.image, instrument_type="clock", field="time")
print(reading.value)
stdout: 12:32
